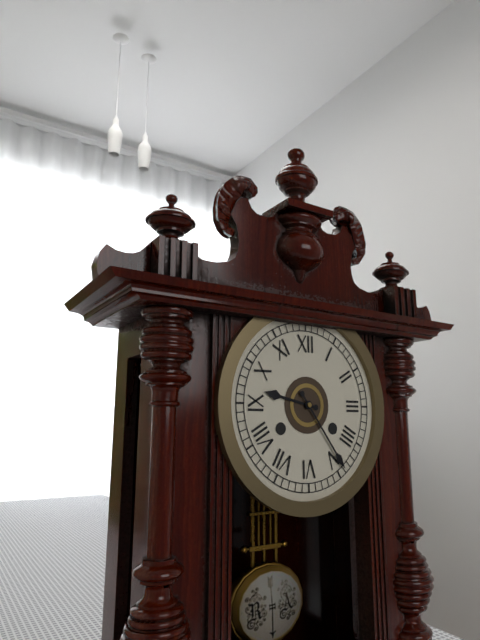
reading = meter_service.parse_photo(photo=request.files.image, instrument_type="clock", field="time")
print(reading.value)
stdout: 9:24
